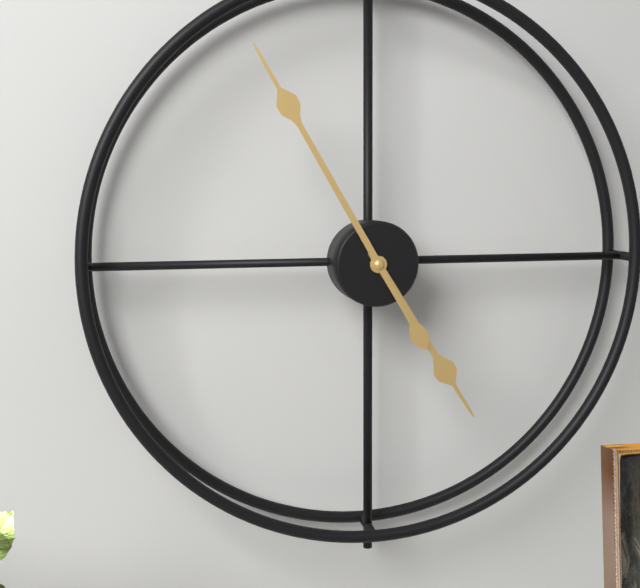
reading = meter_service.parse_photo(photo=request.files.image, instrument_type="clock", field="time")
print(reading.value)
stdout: 4:55
